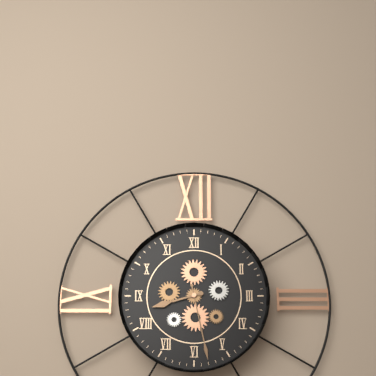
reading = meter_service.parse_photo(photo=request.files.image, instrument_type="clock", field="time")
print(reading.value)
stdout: 8:28
